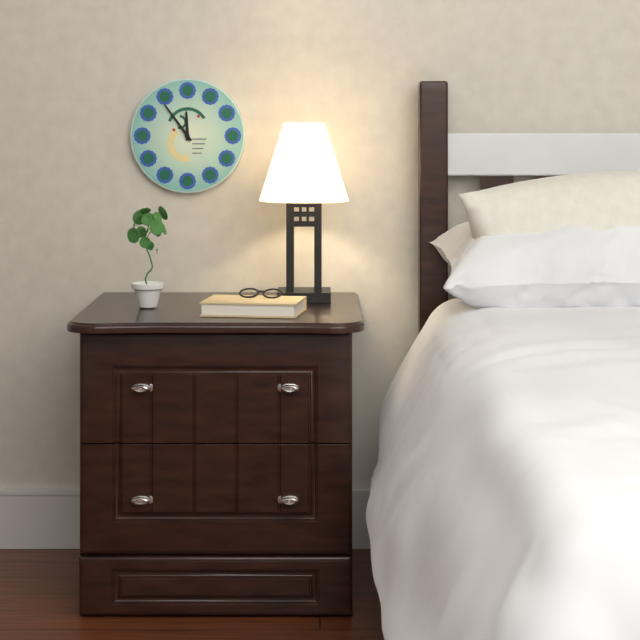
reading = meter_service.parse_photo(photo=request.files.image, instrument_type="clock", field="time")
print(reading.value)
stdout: 11:54
